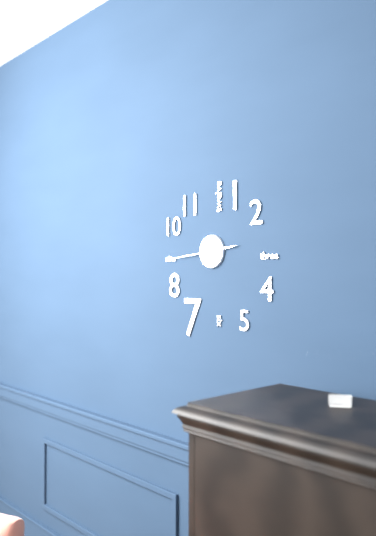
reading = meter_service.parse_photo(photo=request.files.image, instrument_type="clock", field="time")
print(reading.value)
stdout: 2:44
